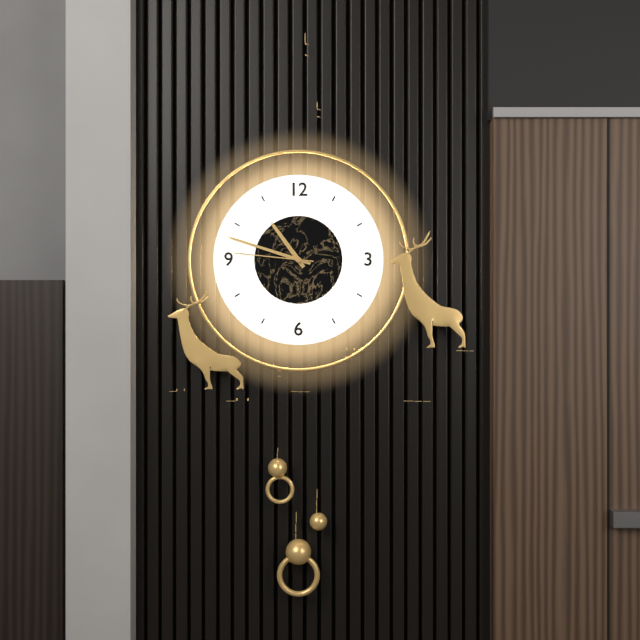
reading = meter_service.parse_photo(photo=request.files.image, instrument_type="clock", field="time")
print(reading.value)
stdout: 10:48:46
